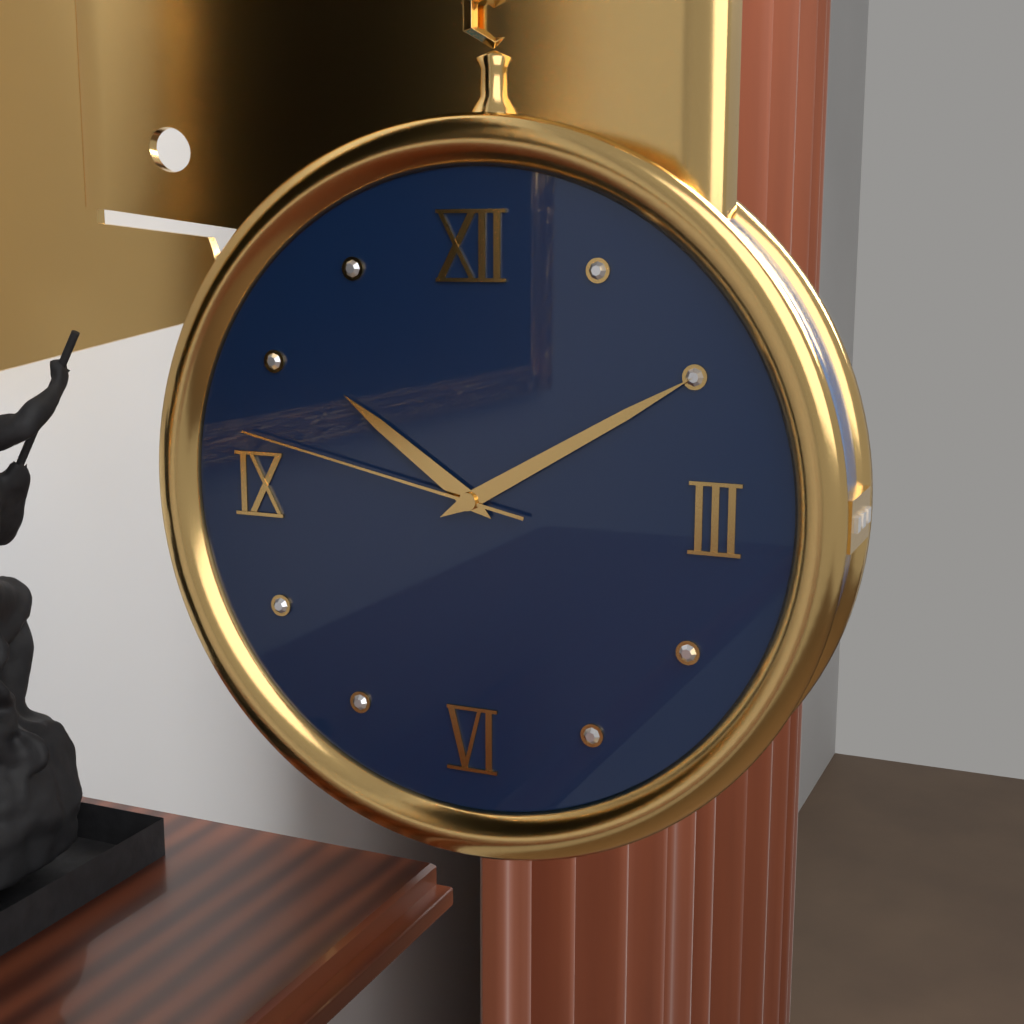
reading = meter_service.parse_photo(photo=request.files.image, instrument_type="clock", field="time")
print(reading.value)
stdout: 10:10:47
